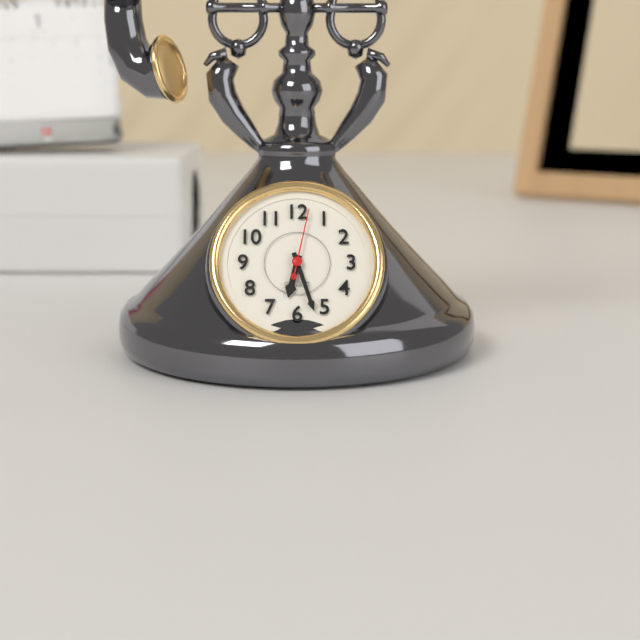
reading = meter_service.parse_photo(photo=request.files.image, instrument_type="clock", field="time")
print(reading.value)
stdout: 6:27:02
